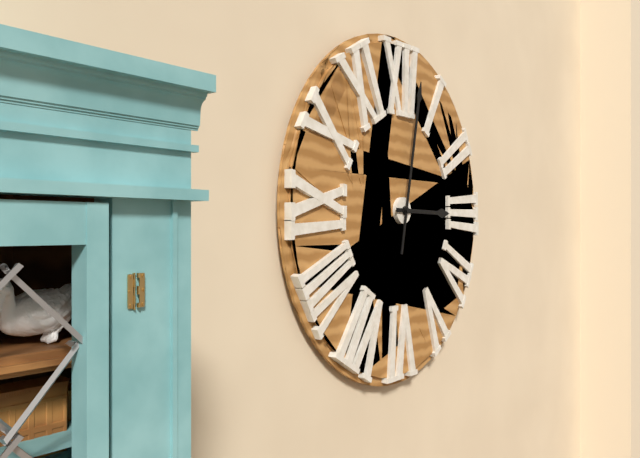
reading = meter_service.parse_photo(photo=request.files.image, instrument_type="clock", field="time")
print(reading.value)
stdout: 3:02
